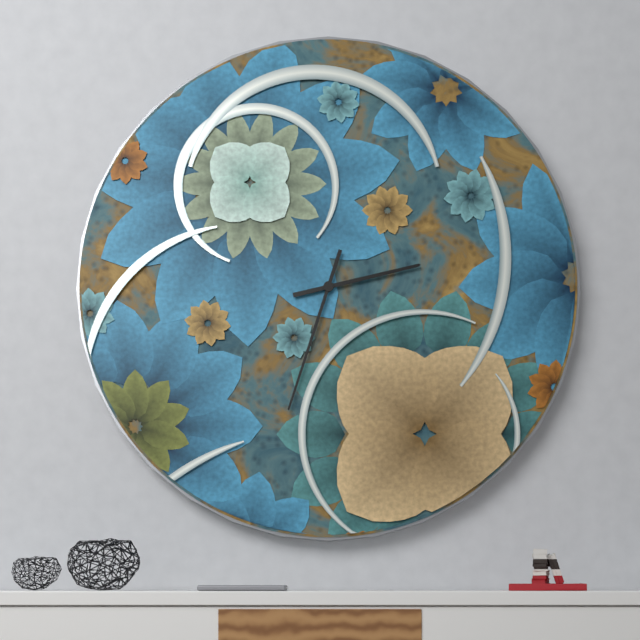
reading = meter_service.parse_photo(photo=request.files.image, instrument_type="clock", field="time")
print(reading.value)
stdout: 2:33
